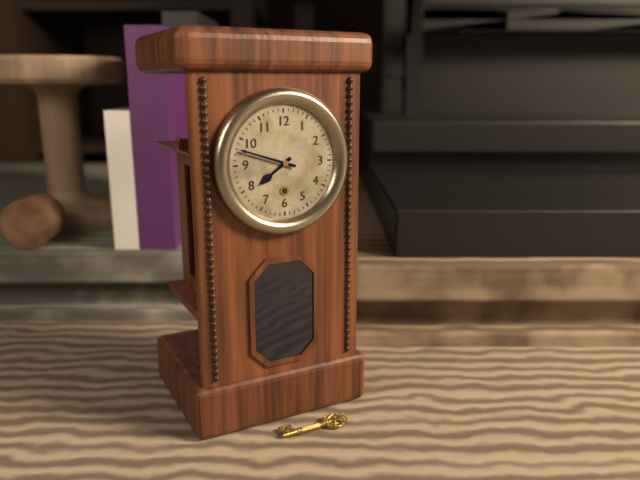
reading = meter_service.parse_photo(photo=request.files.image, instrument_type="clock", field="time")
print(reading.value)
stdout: 7:48
